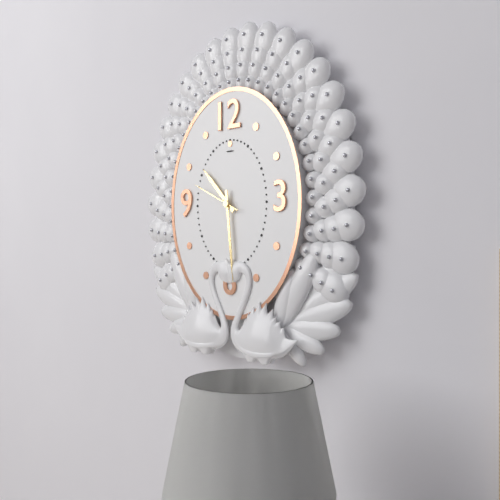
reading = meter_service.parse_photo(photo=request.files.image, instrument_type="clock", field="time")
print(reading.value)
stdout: 10:29
